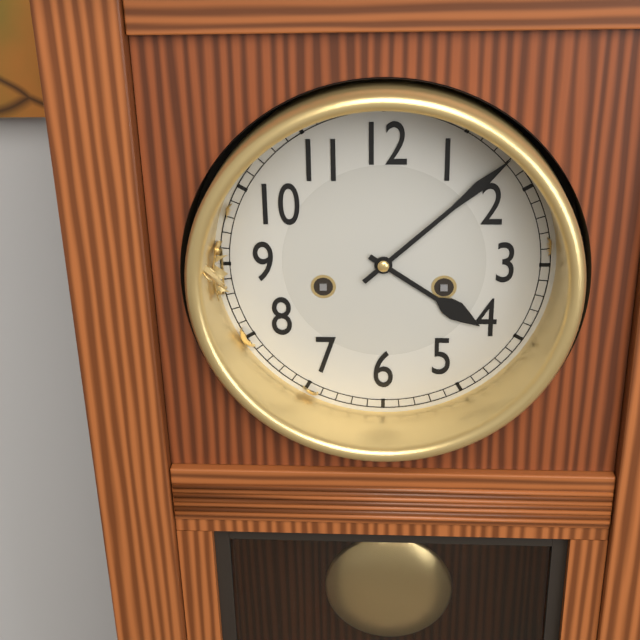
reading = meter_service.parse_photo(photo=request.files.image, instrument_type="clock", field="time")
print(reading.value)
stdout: 4:08
